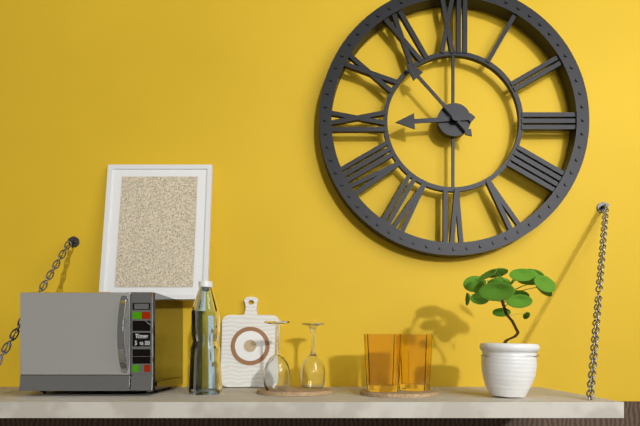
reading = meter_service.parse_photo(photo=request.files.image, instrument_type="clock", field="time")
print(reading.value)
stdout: 8:53
